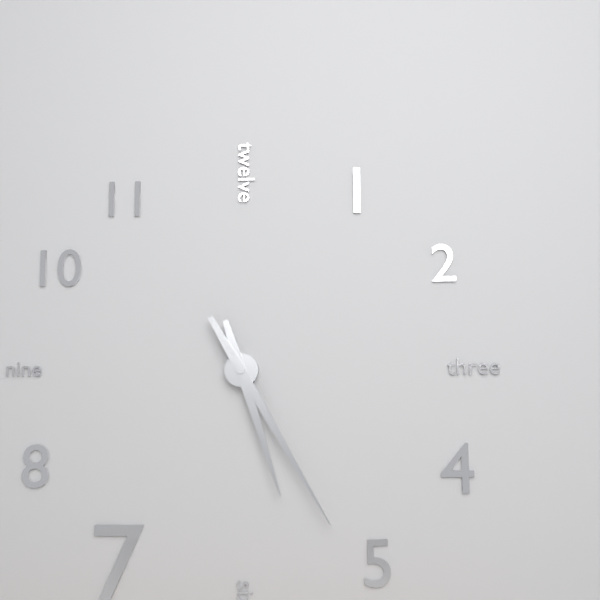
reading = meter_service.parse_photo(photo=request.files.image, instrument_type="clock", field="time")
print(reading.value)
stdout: 5:25
